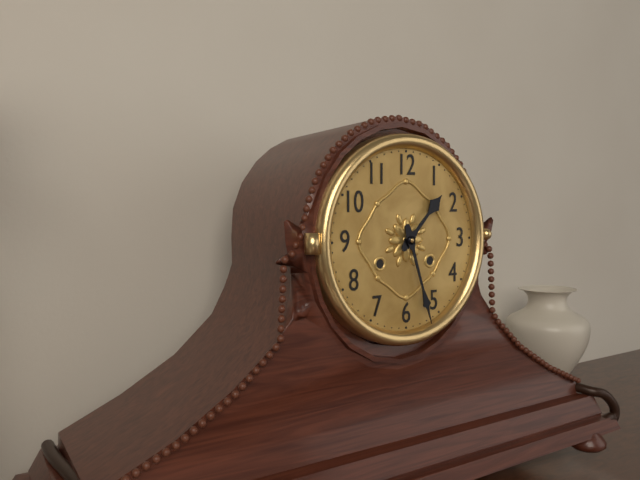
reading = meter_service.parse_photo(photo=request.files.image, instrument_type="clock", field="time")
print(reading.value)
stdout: 1:27
